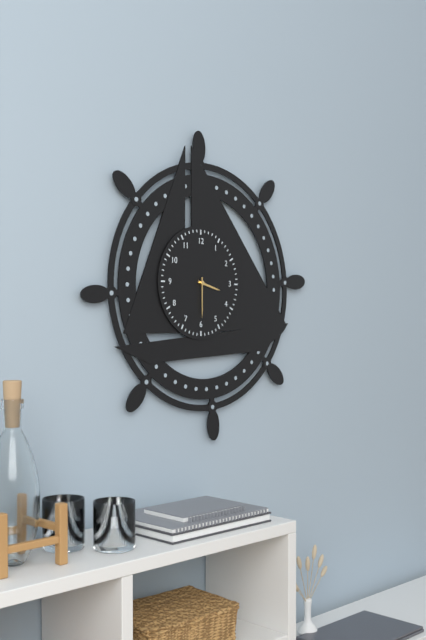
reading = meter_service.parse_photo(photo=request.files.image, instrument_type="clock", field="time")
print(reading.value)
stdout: 3:30
